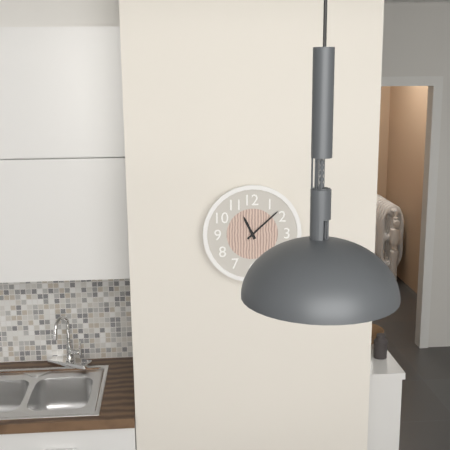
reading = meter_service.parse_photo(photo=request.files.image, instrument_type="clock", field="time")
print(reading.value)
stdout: 11:08
